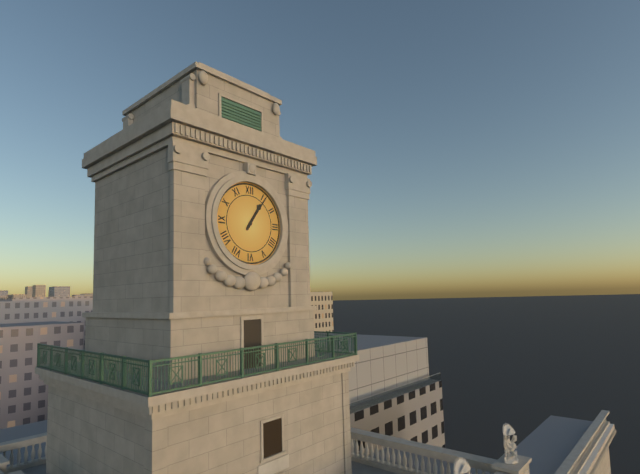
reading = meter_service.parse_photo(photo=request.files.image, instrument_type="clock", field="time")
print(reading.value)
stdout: 1:06
